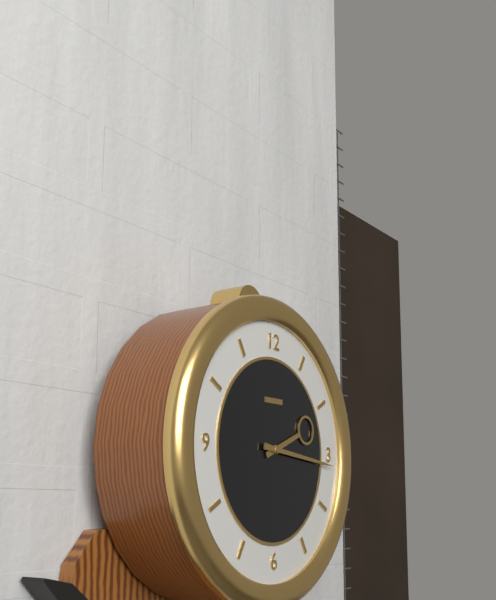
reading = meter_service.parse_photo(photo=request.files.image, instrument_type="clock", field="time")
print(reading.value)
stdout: 2:16
